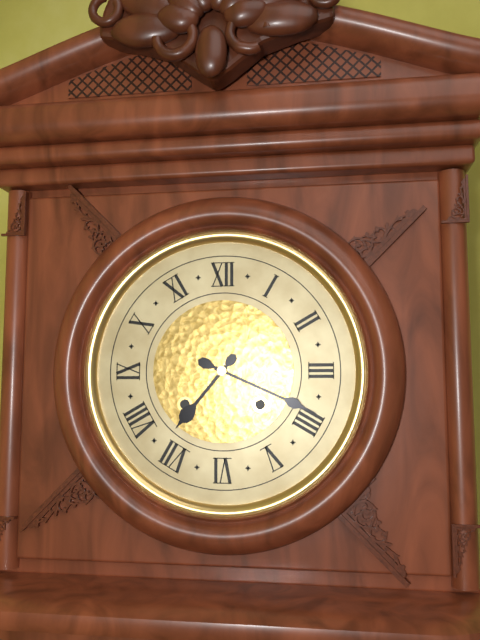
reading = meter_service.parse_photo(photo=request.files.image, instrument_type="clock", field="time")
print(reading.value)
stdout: 7:19
